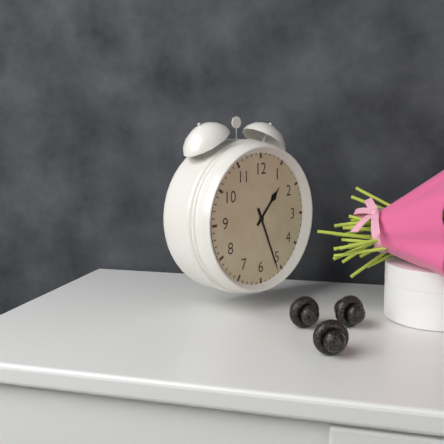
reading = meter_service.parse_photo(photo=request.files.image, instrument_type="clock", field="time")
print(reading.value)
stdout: 1:26
